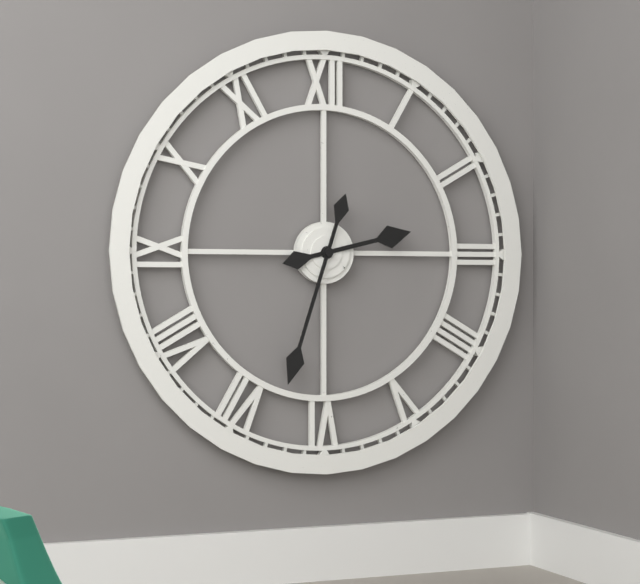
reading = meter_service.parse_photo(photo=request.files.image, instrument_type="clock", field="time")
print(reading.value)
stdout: 2:33
